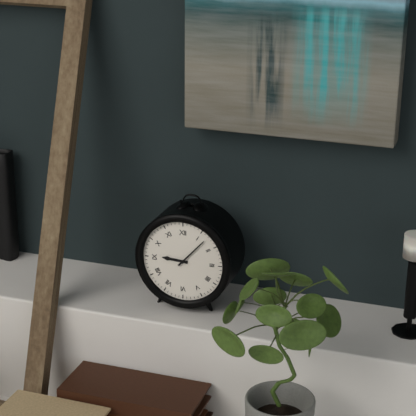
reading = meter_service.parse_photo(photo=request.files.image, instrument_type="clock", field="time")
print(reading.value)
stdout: 9:07
